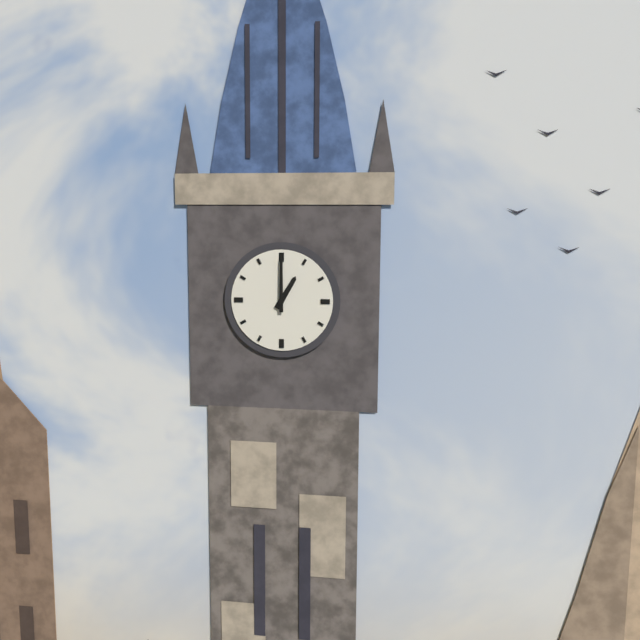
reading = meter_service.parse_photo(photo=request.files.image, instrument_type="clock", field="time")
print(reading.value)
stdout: 1:00
